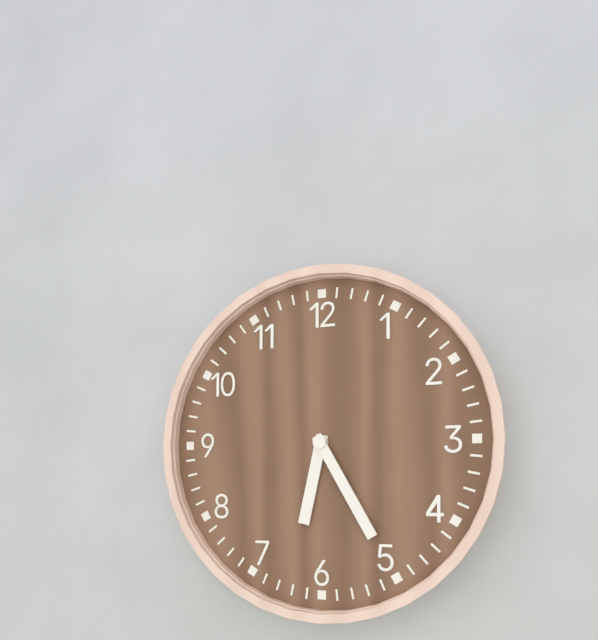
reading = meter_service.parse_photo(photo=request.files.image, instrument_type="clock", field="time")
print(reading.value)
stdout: 6:25
